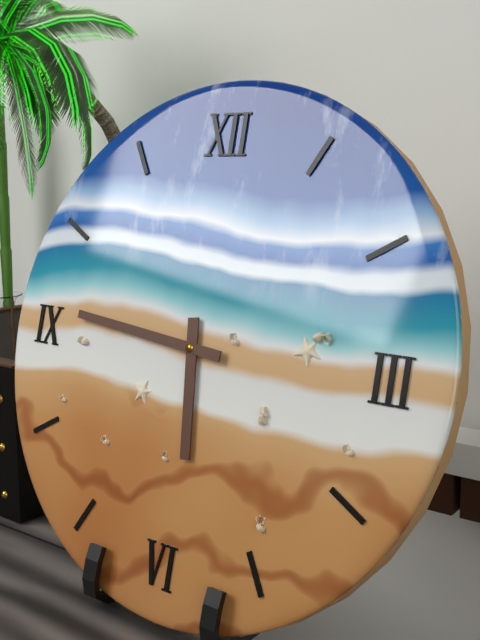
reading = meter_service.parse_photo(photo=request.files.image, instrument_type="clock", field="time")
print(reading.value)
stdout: 5:46
